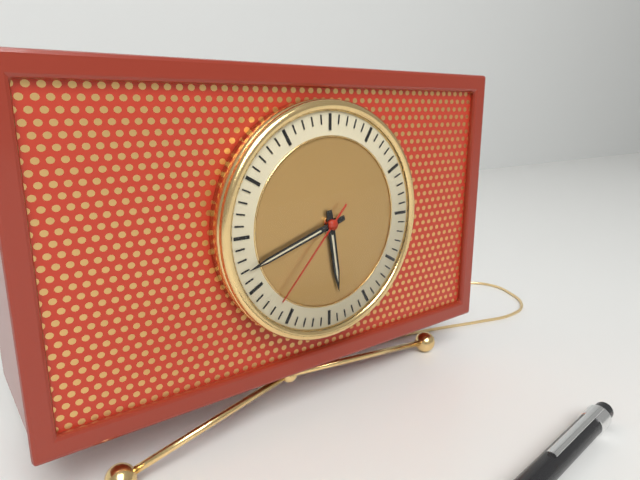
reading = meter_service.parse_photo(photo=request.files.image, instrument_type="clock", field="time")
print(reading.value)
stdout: 5:42:37
